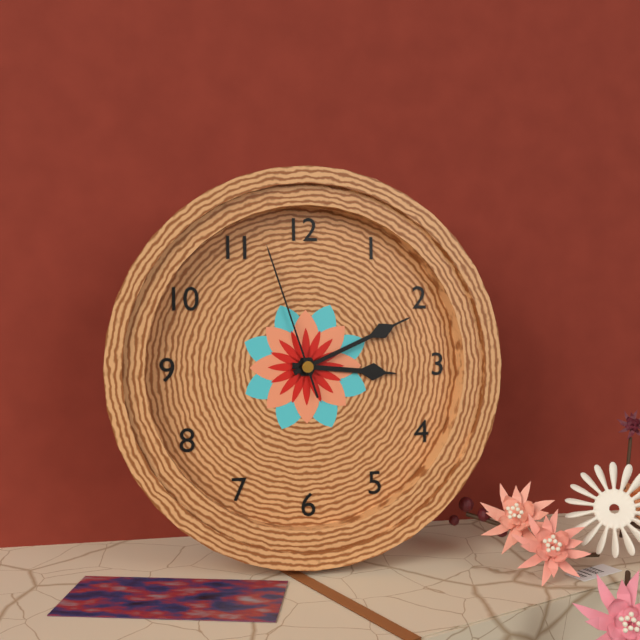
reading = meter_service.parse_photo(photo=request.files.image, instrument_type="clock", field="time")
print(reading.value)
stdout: 3:11:57
